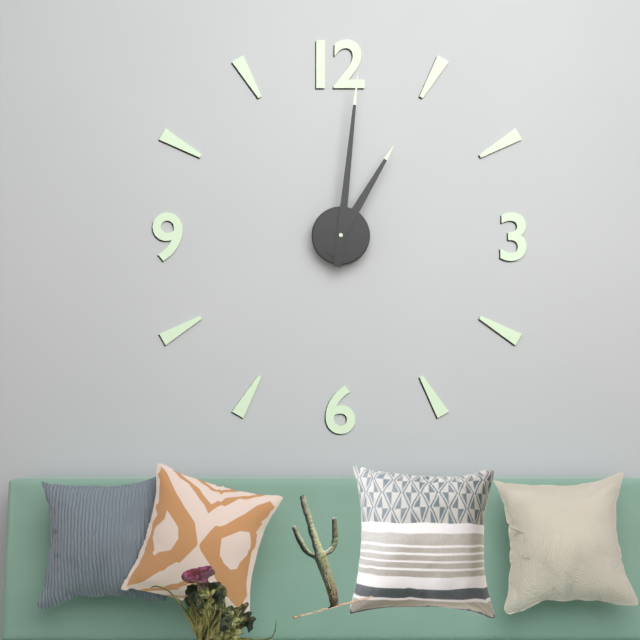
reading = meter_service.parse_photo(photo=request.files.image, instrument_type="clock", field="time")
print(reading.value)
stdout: 1:01
